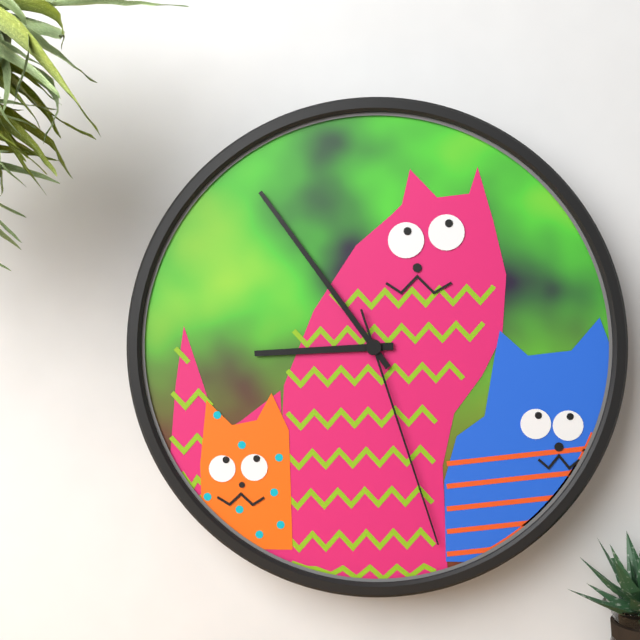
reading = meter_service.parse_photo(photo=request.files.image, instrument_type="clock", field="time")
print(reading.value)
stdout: 8:54:27
